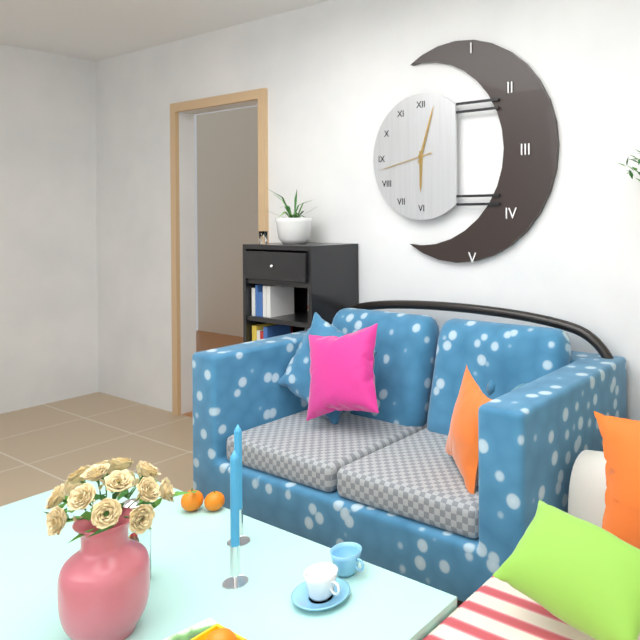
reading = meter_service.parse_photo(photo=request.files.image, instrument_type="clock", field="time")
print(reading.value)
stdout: 6:03:43
